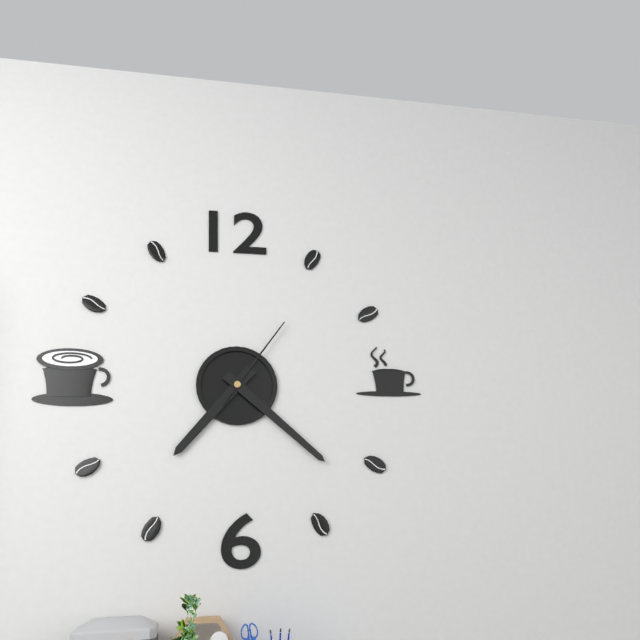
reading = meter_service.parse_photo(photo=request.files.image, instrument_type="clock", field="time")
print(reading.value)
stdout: 7:22:06
